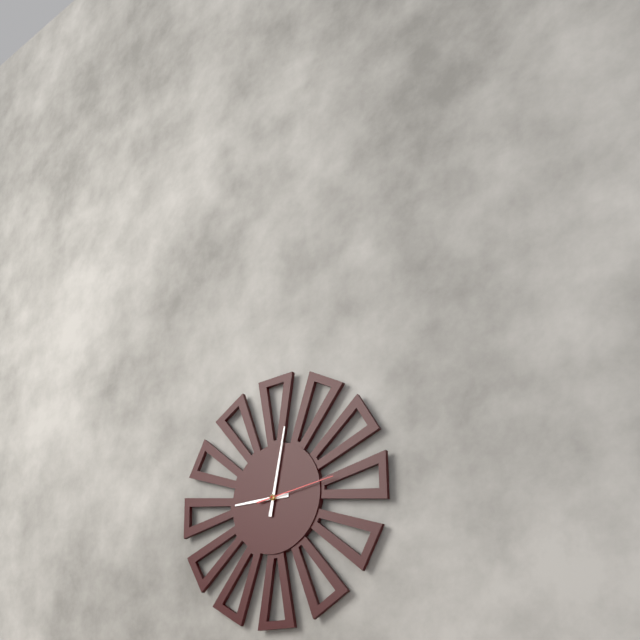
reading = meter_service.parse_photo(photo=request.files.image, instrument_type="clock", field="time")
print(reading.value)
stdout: 9:02:14
